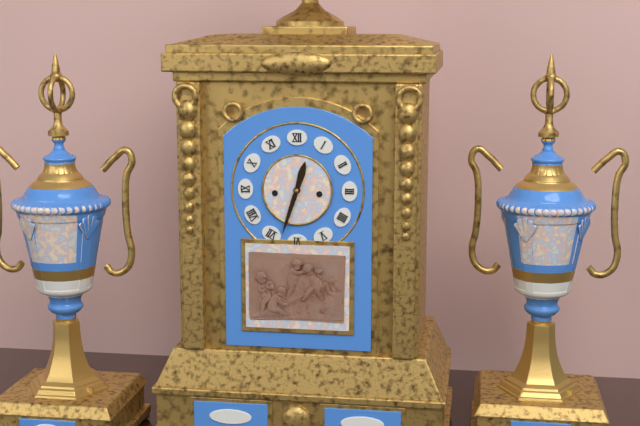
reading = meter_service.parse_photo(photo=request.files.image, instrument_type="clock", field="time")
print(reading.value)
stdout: 12:33
